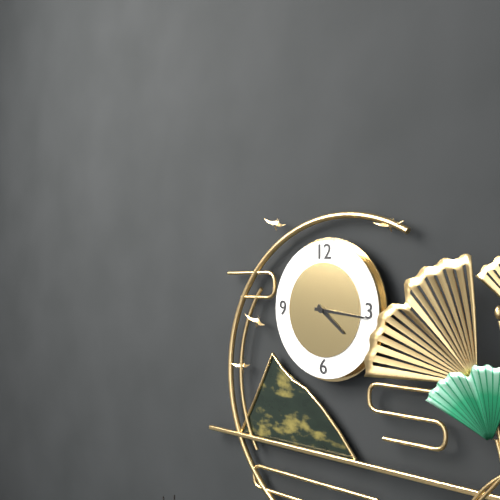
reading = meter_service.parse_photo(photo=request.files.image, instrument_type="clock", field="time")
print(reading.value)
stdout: 4:16
